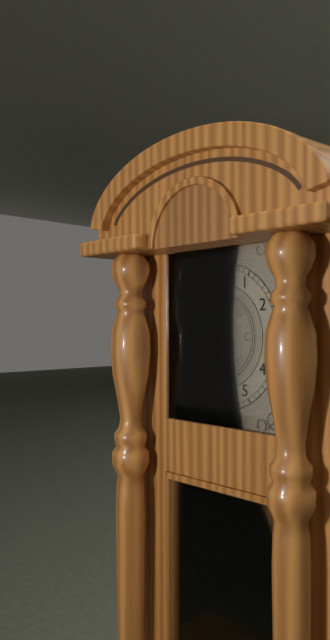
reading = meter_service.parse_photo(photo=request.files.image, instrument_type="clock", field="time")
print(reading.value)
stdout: 9:34
